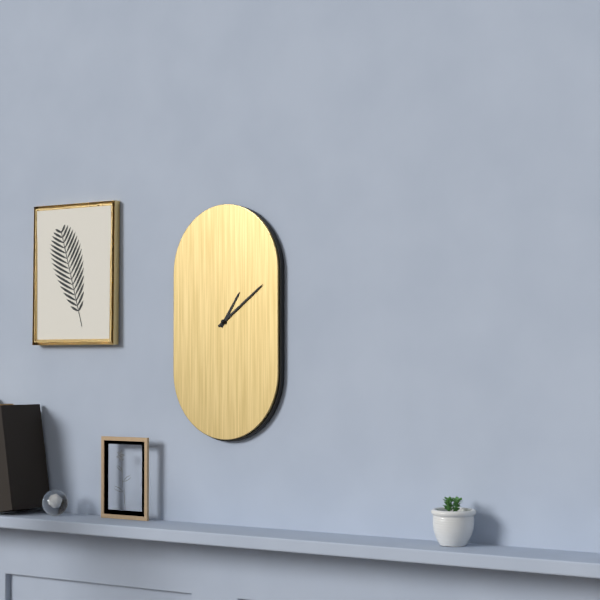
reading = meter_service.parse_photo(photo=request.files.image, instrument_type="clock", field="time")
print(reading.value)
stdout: 1:09
